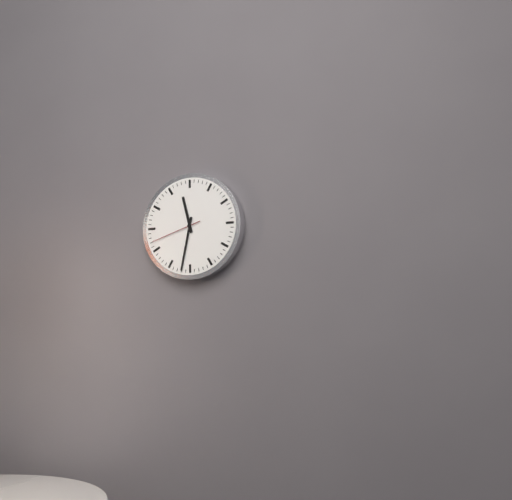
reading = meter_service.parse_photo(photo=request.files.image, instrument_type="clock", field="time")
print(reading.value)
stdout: 11:32:42
